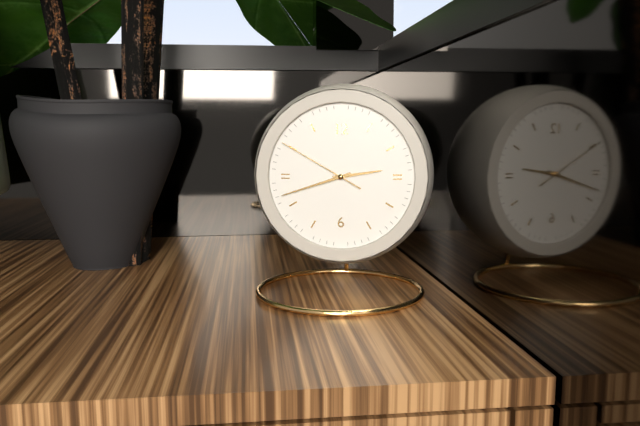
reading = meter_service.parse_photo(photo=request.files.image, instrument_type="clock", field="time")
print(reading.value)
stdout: 2:42:50
